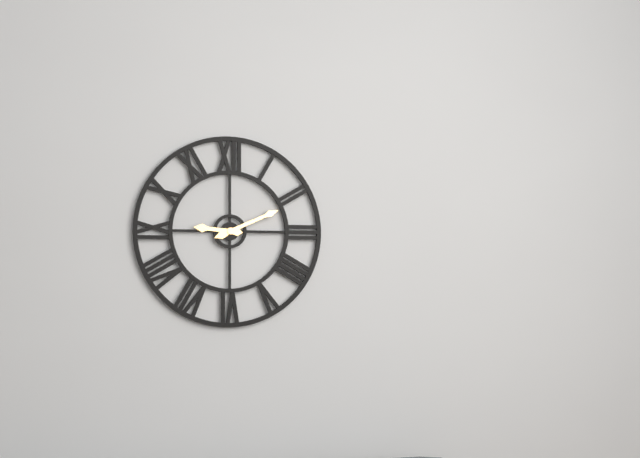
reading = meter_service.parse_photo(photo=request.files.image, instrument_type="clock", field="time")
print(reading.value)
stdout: 9:11
